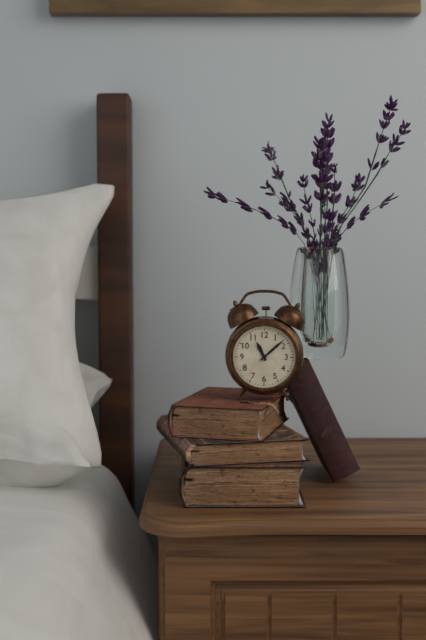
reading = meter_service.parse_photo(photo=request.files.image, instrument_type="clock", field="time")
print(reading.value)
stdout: 11:08
